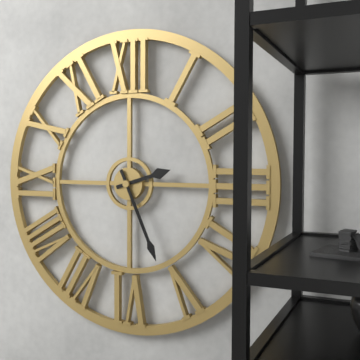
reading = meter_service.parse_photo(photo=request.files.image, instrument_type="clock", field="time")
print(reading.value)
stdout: 2:26
